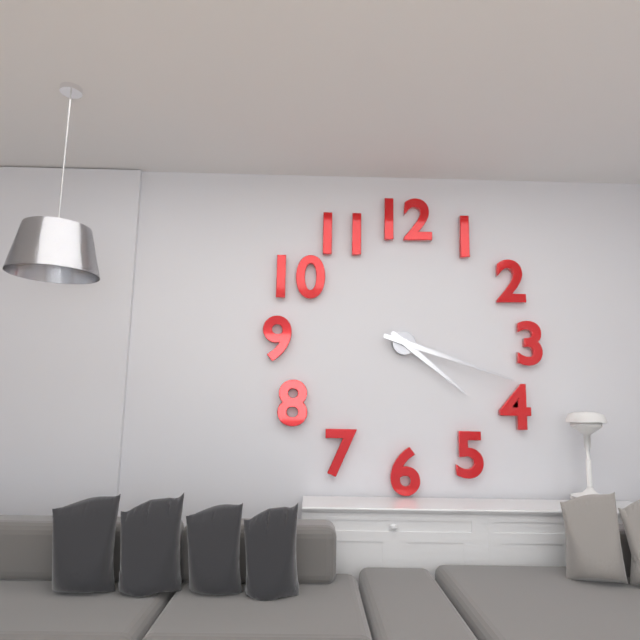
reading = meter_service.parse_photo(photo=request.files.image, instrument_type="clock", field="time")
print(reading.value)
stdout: 4:18
